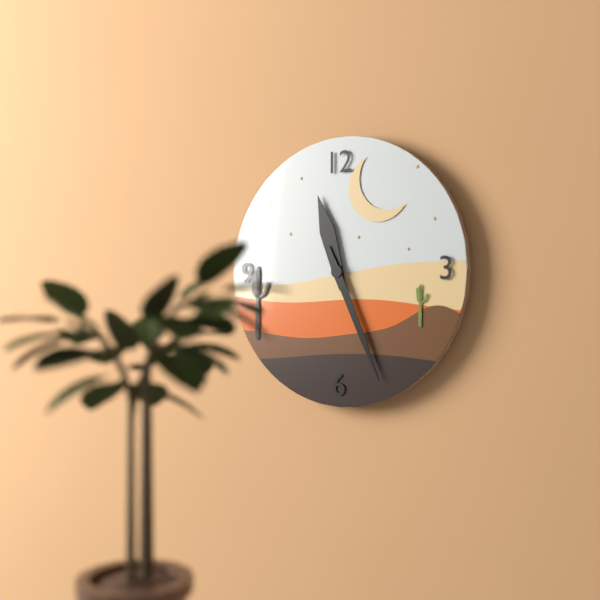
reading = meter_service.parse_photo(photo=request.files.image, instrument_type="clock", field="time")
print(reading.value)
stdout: 11:26
